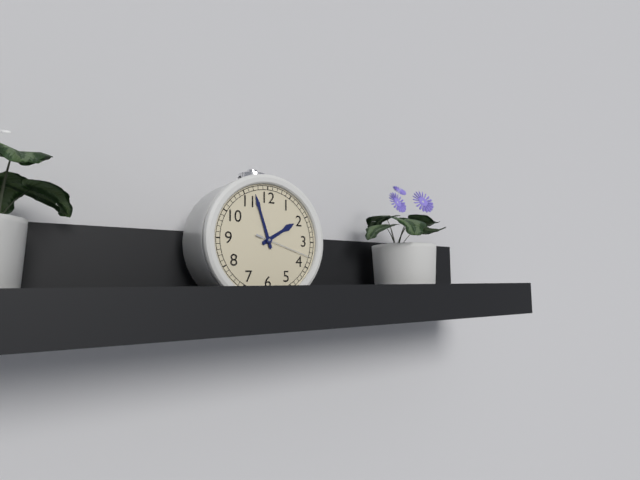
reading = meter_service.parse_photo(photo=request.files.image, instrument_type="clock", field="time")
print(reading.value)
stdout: 1:57:18
